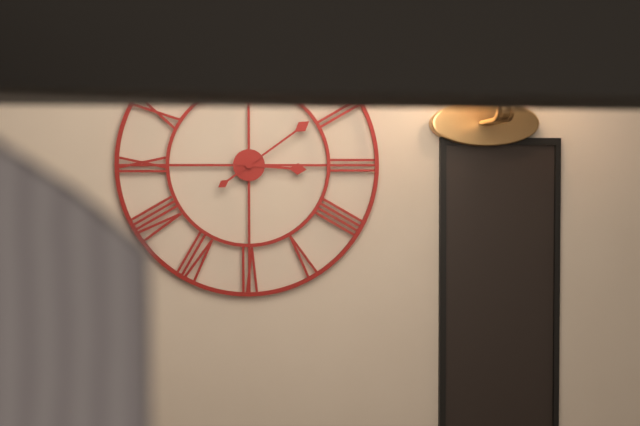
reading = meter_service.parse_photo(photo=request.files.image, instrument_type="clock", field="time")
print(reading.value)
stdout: 3:09
